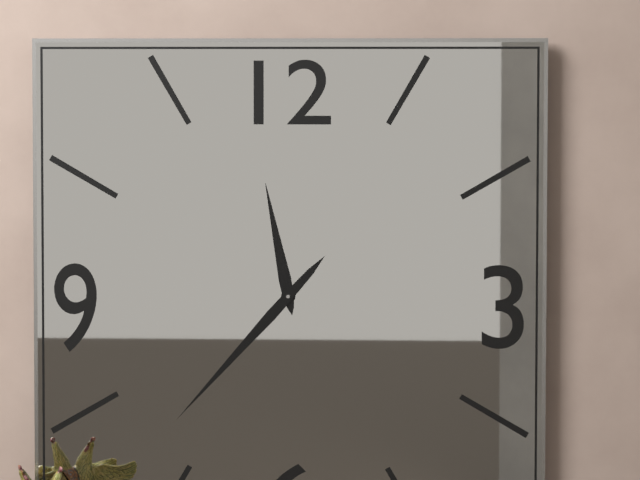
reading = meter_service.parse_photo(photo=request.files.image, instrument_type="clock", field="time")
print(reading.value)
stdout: 11:37
